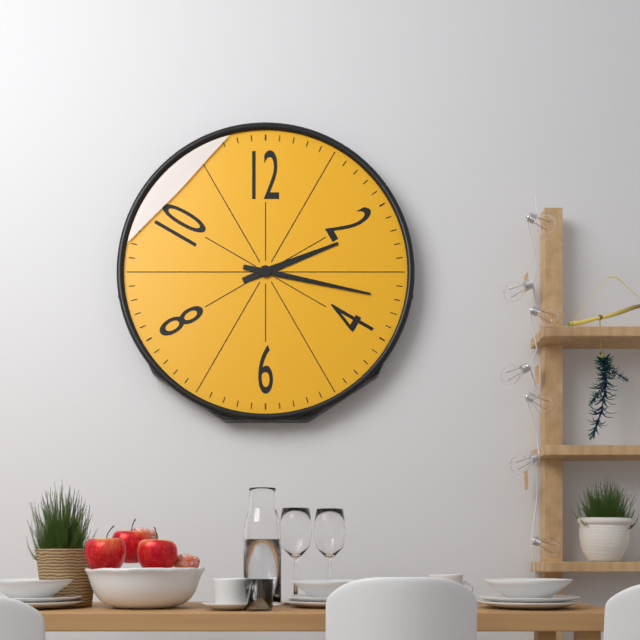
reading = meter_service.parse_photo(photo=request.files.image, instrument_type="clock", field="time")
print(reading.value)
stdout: 2:17
